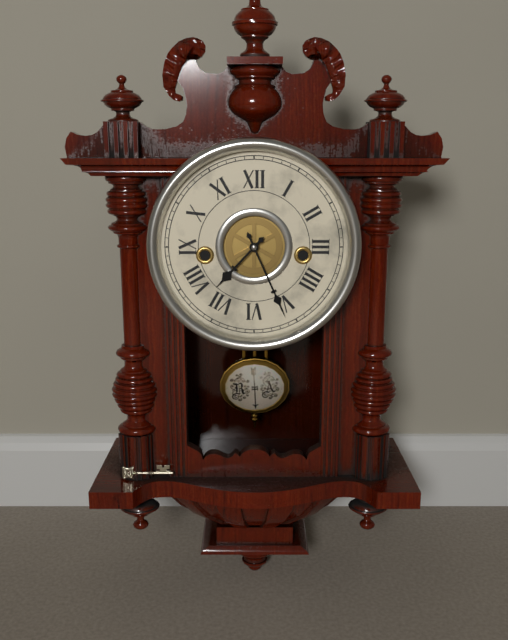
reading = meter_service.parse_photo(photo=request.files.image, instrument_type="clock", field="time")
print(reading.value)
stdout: 7:26
